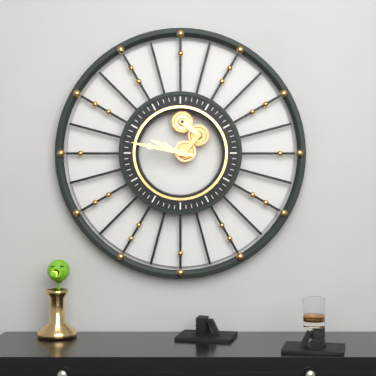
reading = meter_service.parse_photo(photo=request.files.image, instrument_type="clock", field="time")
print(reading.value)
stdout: 9:47
